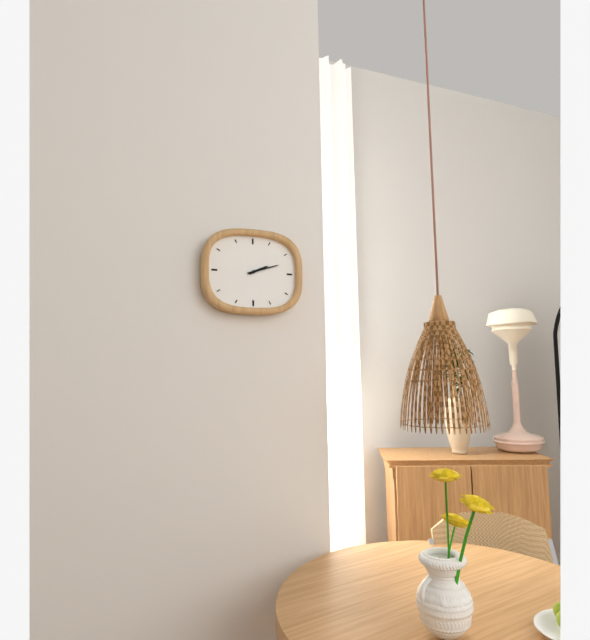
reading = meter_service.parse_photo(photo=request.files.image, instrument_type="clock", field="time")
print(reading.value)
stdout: 2:12
